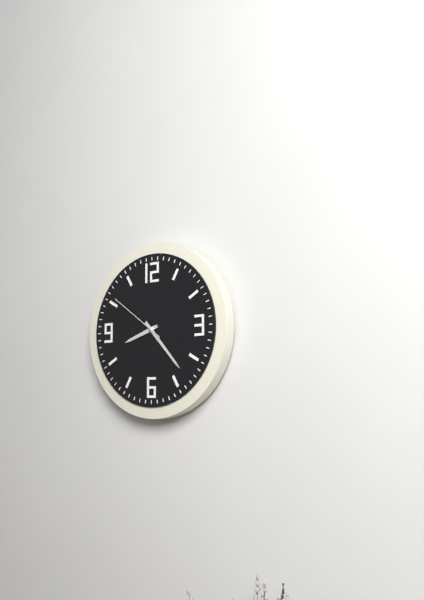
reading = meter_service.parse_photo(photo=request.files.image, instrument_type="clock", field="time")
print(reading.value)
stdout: 8:23:51
